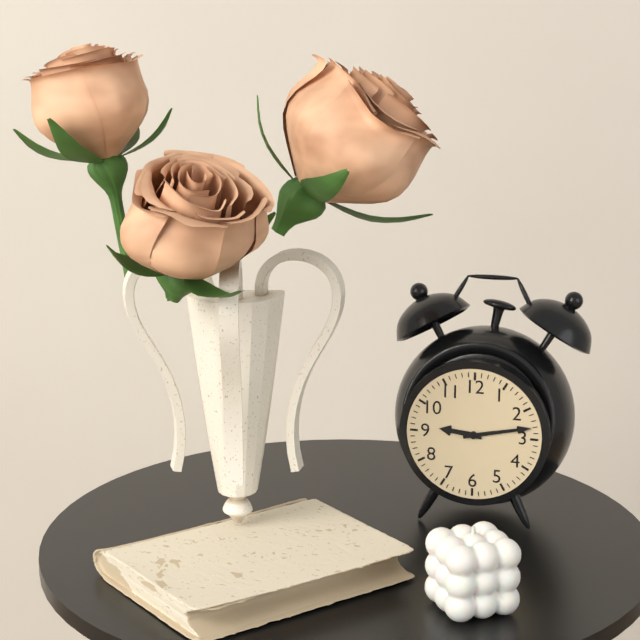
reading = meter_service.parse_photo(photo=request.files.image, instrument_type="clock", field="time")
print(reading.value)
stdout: 9:13
